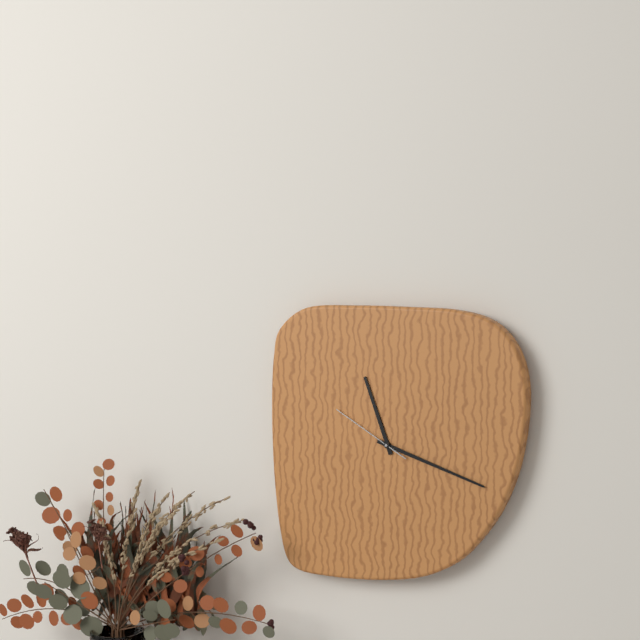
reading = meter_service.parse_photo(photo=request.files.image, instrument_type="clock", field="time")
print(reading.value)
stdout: 11:18:50
